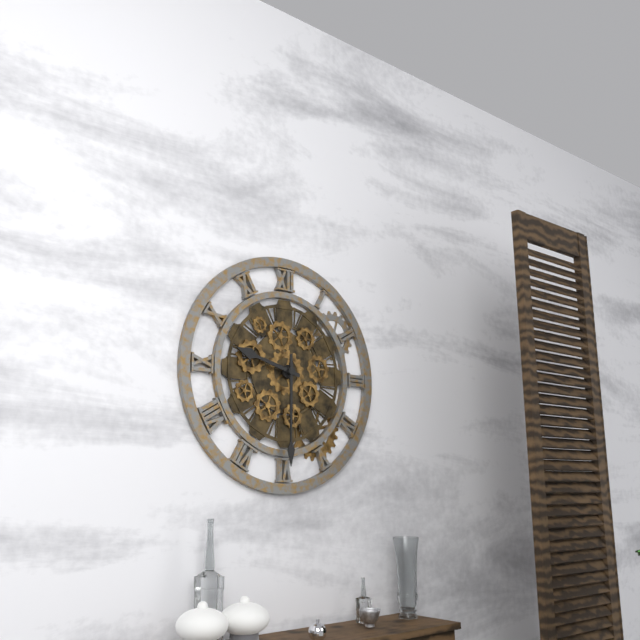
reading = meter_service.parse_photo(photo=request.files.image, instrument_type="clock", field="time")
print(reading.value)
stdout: 9:30
